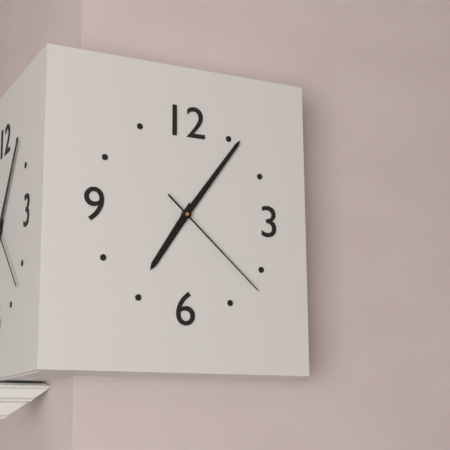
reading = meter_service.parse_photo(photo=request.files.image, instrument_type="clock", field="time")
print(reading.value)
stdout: 7:06:22
